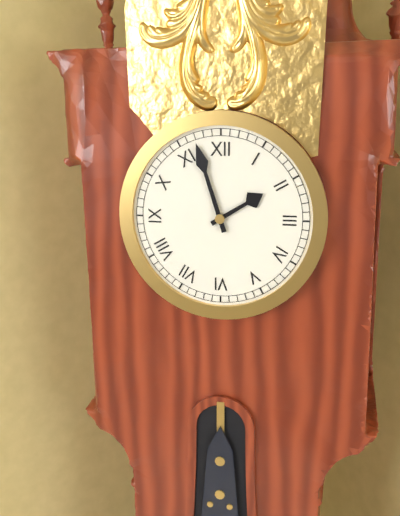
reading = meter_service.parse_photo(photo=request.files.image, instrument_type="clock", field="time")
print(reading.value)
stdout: 1:57
